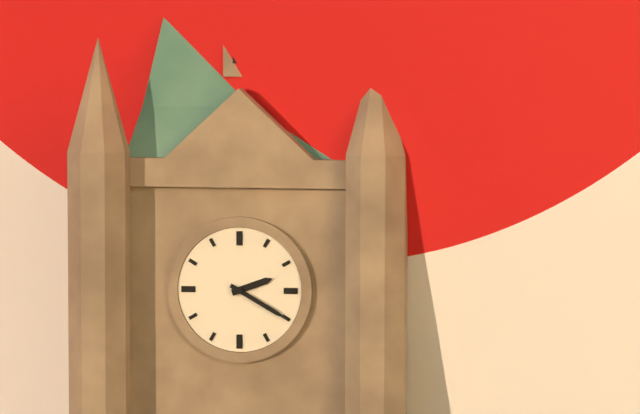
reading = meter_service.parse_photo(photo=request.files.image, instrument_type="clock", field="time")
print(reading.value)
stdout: 2:20
